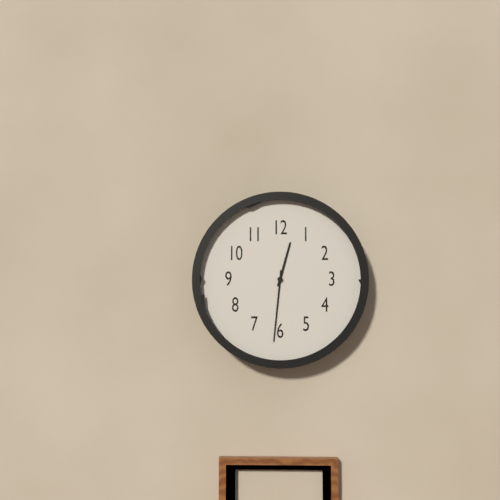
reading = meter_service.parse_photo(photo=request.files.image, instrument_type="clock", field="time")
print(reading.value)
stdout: 12:31
